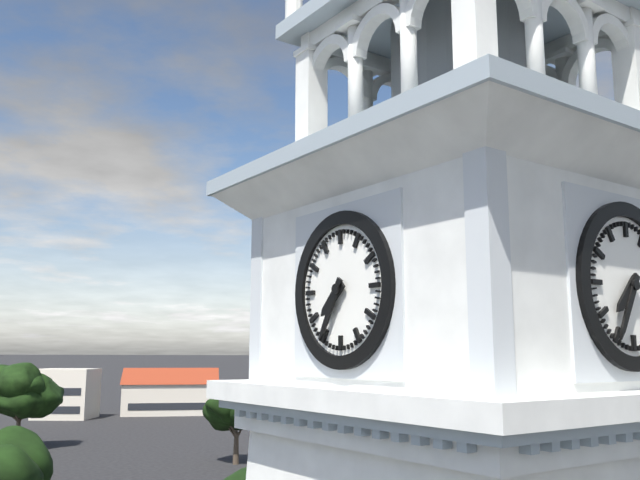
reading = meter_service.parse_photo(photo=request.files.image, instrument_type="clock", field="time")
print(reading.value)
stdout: 7:35
